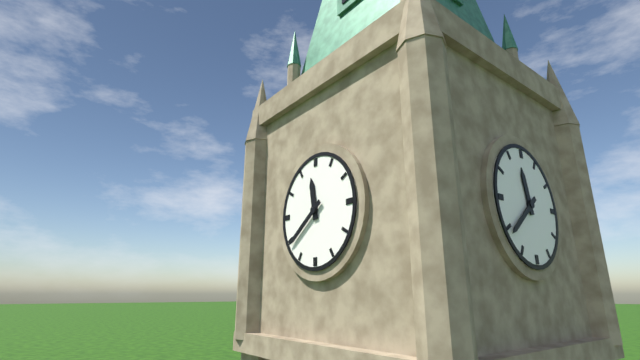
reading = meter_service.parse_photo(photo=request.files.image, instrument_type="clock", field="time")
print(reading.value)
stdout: 11:39
